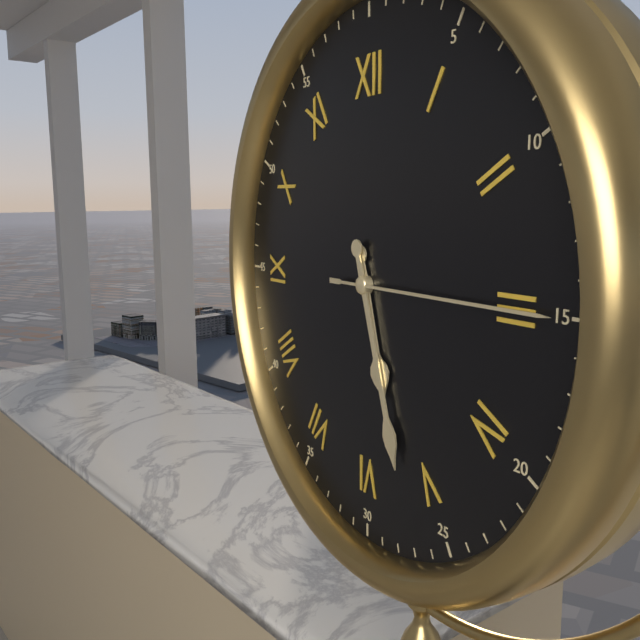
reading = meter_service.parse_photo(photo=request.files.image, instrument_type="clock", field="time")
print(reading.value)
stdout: 5:27:15
